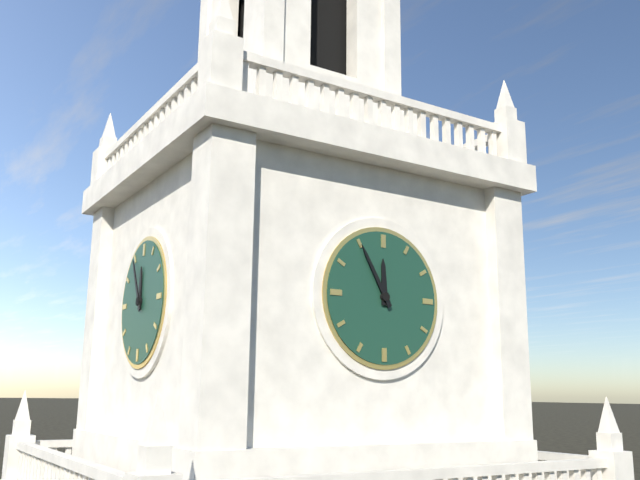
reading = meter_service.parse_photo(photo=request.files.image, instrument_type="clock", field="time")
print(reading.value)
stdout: 11:55
